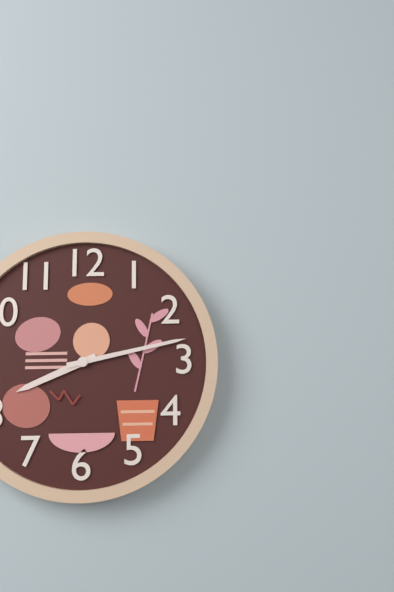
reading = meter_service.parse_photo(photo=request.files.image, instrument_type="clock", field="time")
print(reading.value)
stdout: 8:13
